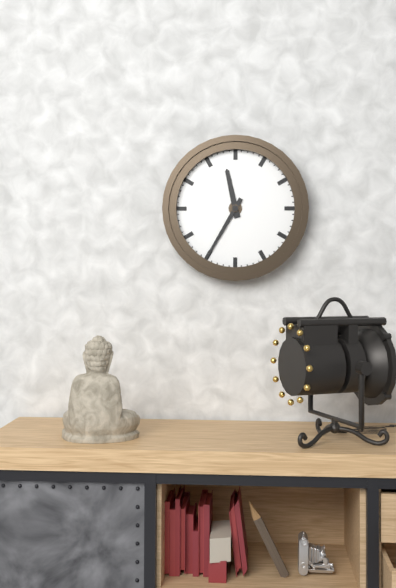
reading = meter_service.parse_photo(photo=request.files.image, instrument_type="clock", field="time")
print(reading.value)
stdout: 11:35
